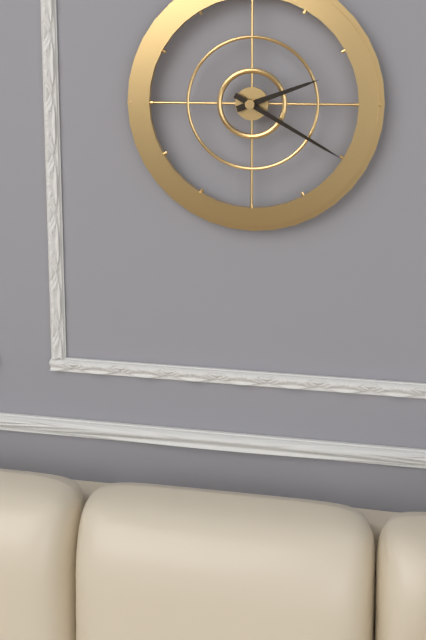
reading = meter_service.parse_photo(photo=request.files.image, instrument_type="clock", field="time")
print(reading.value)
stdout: 2:20
